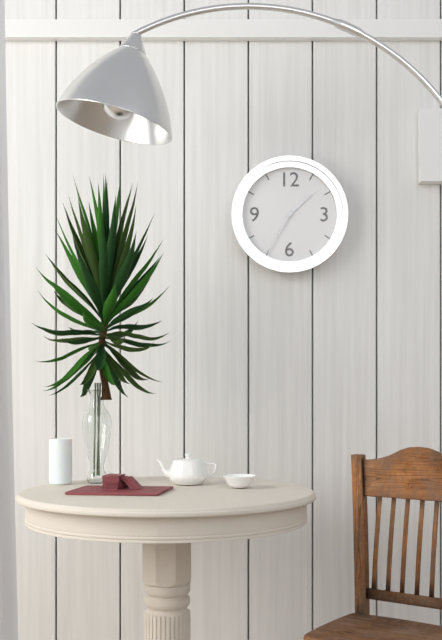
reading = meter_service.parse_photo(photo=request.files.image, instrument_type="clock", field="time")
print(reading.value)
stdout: 1:35
